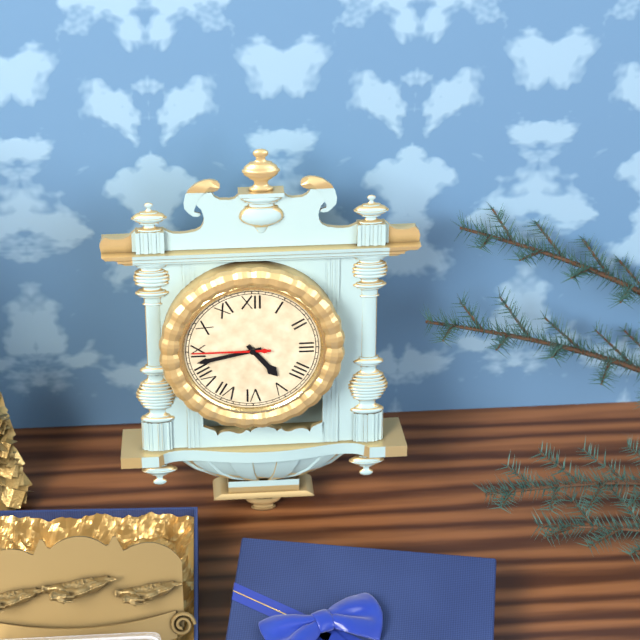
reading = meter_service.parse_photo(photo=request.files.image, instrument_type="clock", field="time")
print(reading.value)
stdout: 4:43:45
